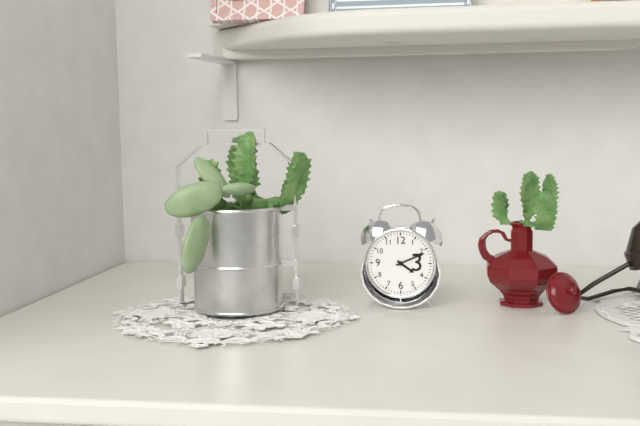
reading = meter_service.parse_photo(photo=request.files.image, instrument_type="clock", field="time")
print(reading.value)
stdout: 4:11
